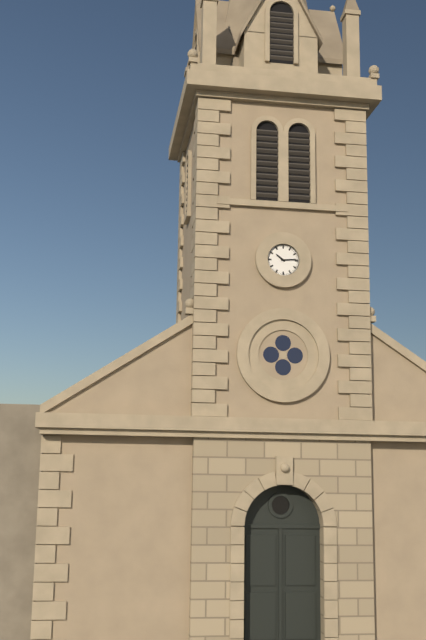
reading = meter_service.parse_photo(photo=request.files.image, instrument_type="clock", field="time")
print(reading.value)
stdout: 10:14
